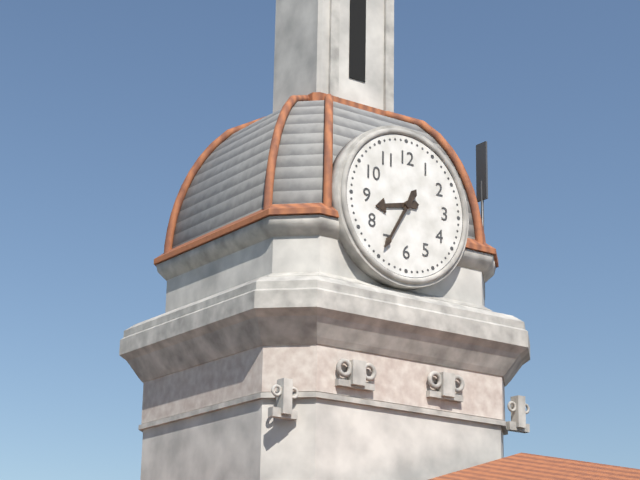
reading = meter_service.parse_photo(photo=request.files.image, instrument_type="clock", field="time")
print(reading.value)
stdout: 8:35
